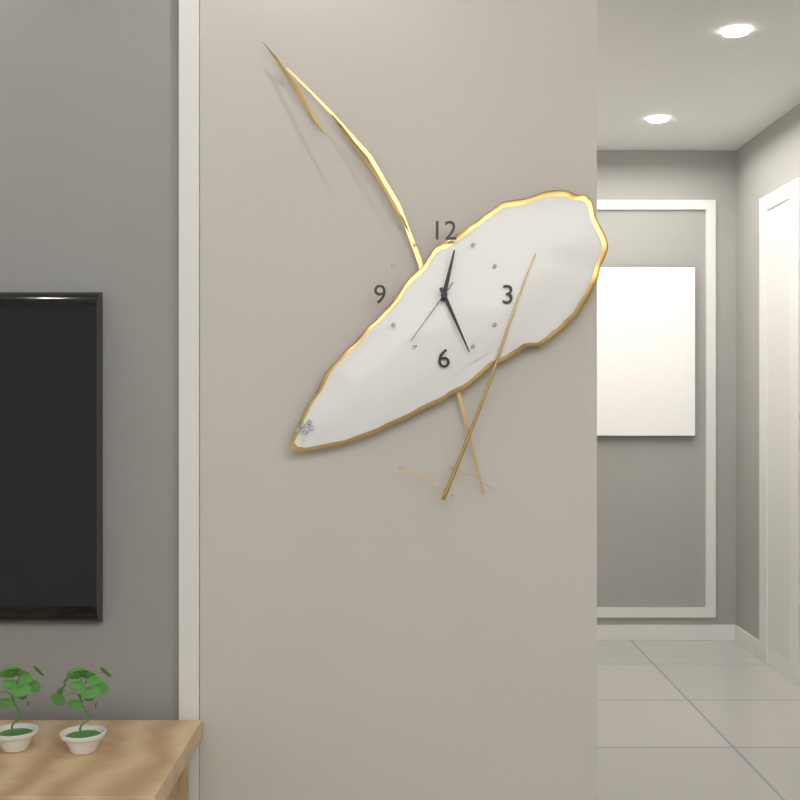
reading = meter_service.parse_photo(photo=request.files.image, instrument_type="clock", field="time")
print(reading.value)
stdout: 12:26:36
